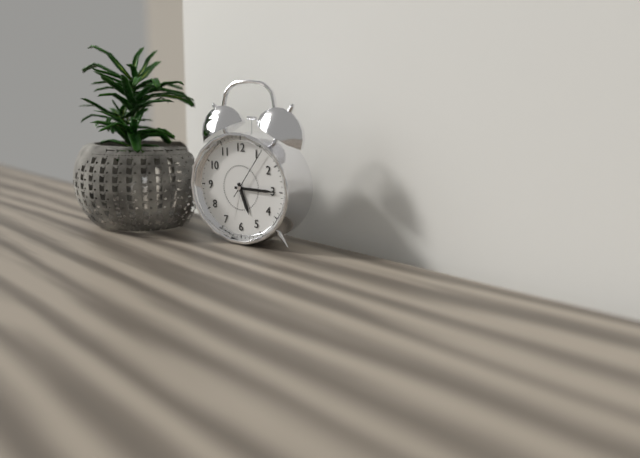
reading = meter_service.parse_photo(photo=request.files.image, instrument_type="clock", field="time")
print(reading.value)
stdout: 5:15:06
